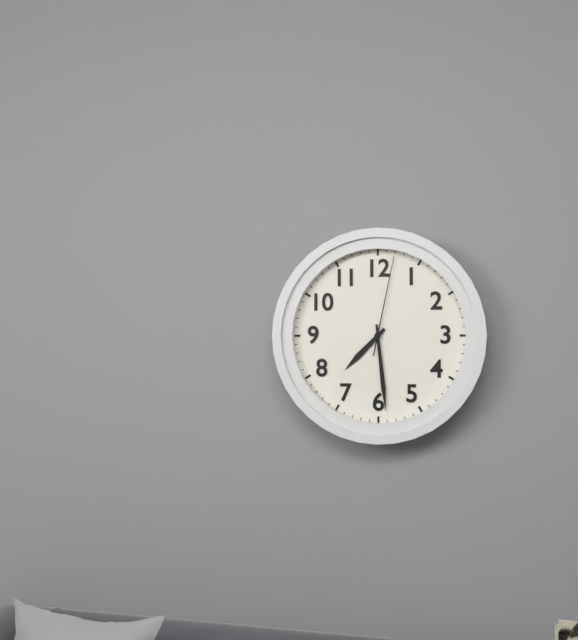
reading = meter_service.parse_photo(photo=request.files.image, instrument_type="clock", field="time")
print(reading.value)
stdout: 7:29:02
